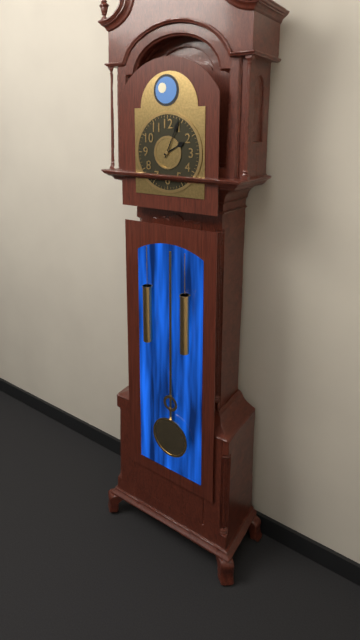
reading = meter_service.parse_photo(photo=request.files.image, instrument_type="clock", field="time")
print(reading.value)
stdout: 2:04
